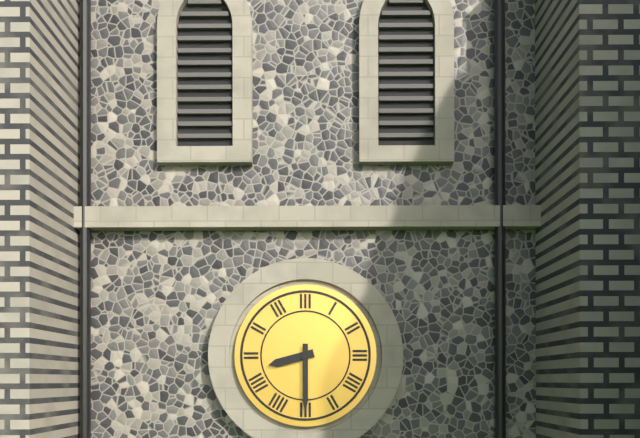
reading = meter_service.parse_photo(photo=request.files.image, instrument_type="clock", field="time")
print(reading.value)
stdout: 8:30
